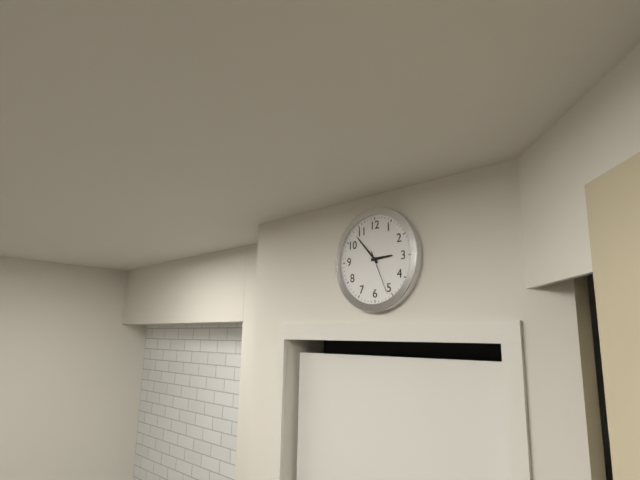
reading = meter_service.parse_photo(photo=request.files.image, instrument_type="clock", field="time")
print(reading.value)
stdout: 2:53
